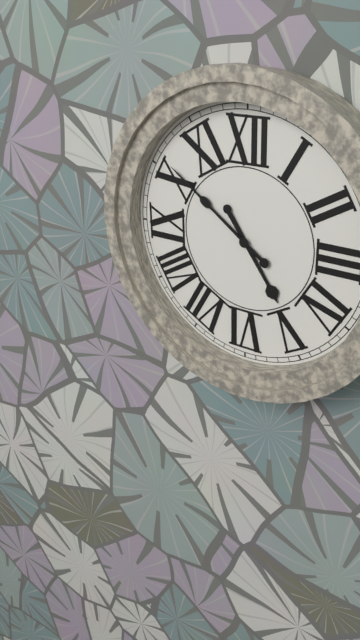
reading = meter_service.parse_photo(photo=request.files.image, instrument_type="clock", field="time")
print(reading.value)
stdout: 4:51
